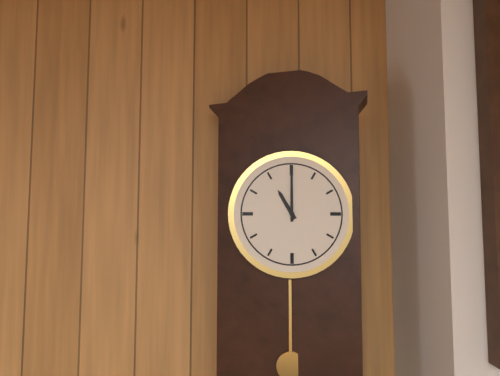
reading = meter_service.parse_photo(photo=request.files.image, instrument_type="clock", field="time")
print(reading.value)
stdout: 11:00
